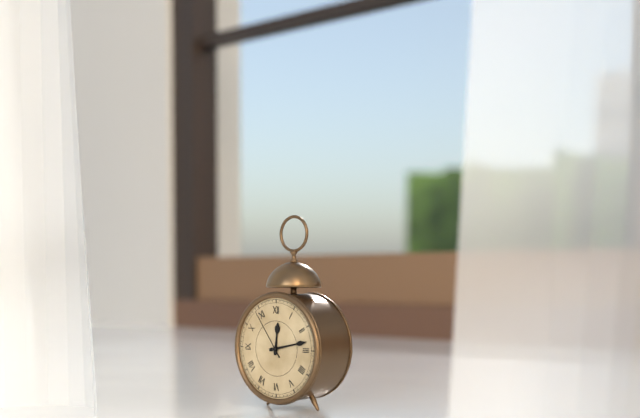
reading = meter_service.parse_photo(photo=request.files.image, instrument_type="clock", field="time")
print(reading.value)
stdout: 12:13:54
